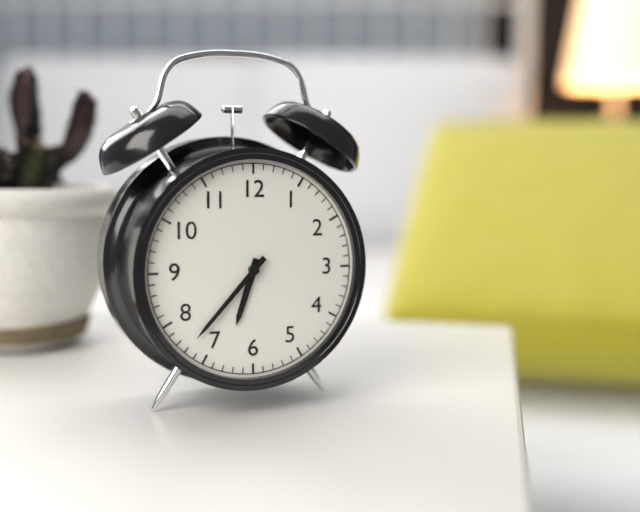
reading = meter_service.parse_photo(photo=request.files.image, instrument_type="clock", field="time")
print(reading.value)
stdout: 6:37
